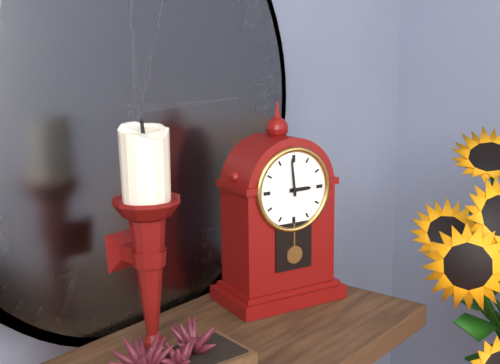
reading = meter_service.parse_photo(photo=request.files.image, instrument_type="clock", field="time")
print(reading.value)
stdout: 2:59
